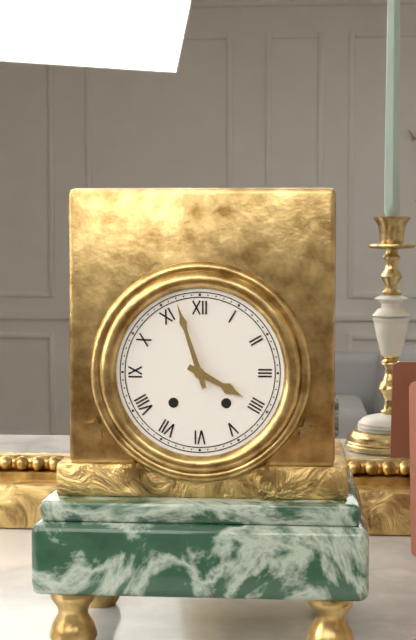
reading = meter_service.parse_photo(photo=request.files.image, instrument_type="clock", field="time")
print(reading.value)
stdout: 3:57
